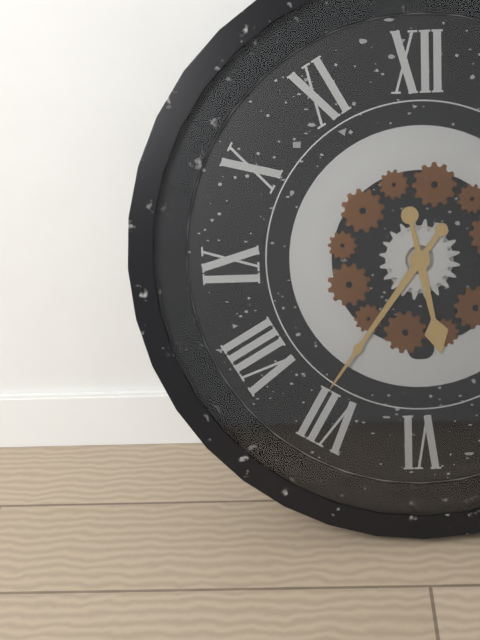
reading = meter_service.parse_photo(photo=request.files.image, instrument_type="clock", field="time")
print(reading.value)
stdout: 5:36
